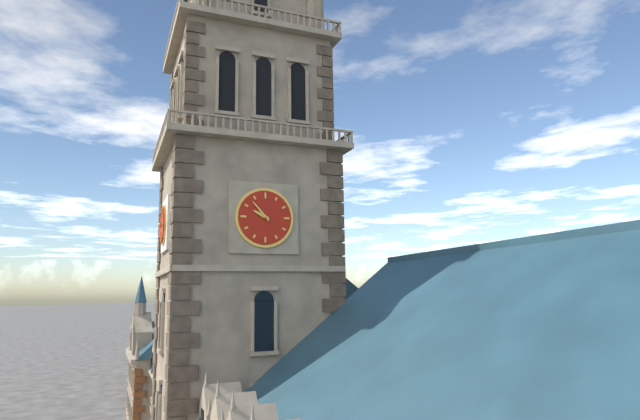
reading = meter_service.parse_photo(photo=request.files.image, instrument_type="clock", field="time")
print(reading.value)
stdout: 9:53
